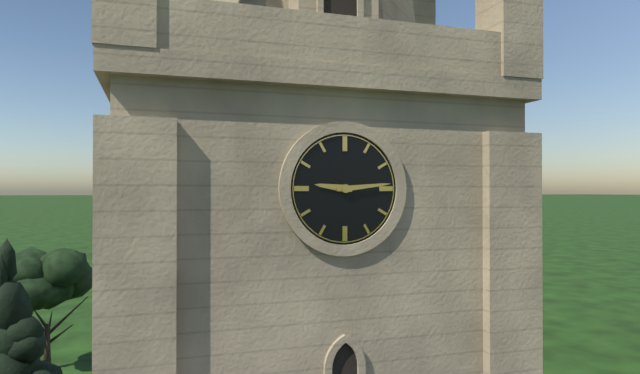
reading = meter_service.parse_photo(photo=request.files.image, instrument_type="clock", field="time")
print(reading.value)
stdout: 9:14
